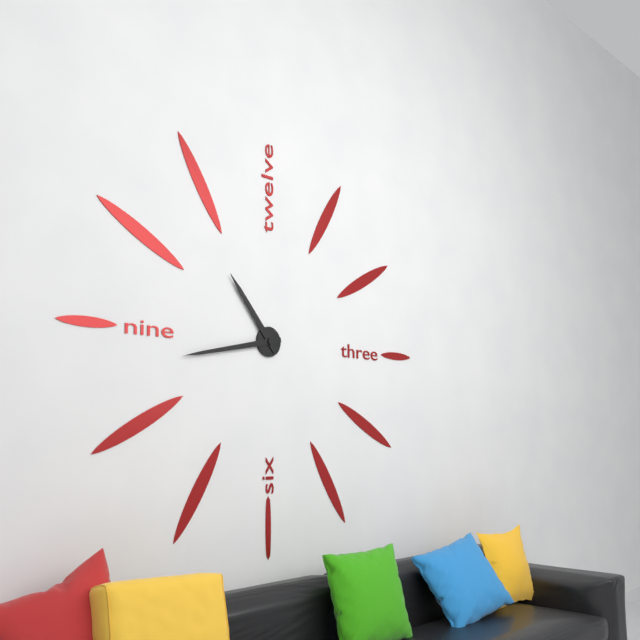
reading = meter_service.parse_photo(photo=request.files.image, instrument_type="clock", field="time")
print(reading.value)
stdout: 10:43
